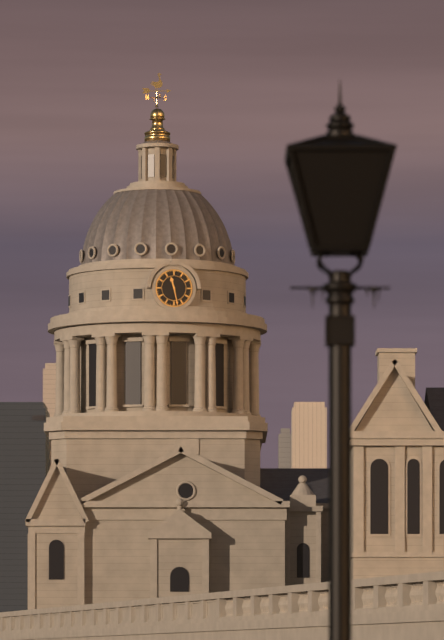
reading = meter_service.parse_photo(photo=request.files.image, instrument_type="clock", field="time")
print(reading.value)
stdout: 11:28
